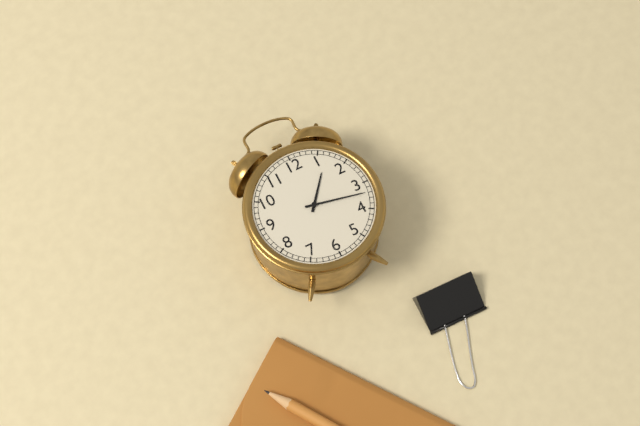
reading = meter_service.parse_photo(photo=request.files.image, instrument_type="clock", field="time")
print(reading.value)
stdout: 1:17
